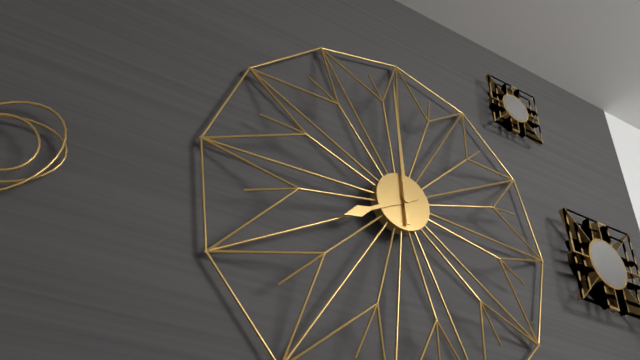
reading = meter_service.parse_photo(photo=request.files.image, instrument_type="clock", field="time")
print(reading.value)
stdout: 7:59
